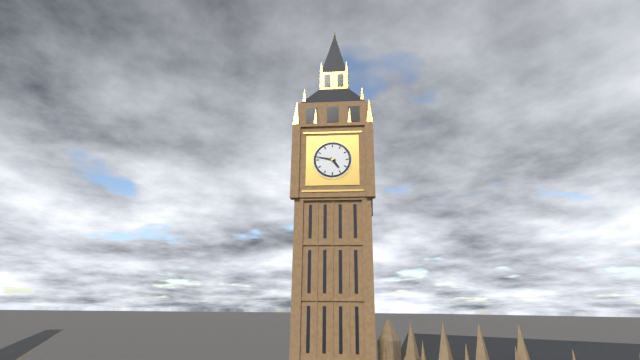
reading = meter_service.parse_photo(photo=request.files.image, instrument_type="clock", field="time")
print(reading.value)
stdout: 4:47
